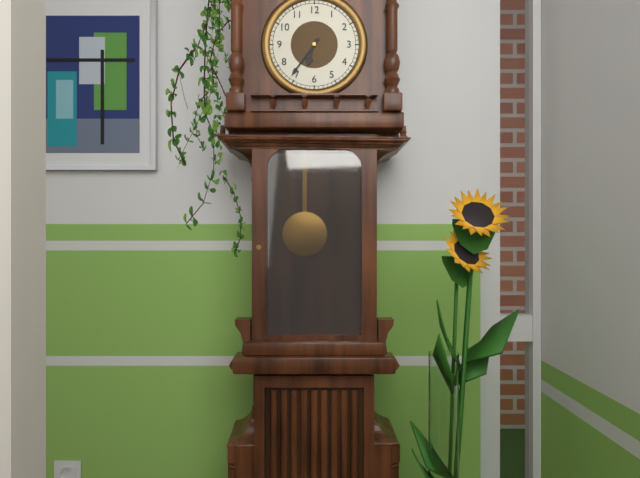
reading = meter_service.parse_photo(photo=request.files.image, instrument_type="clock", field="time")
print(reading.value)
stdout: 6:36
